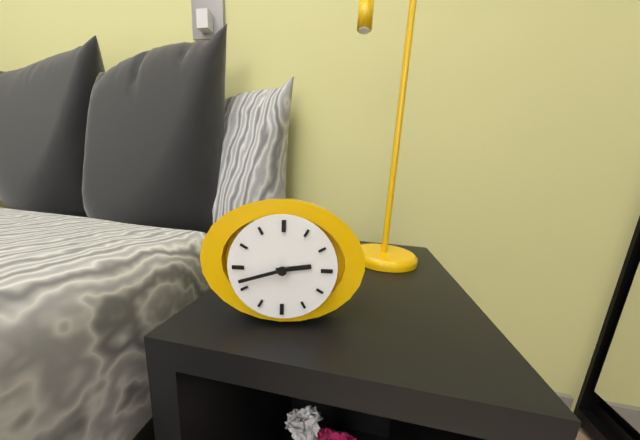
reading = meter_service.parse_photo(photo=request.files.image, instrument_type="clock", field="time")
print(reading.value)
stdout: 2:42
